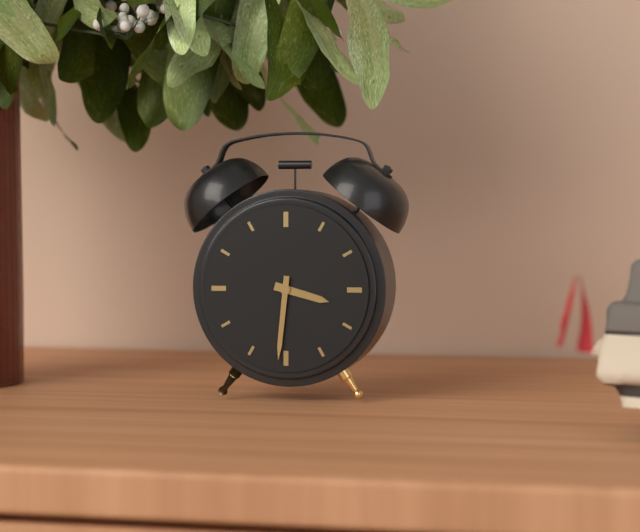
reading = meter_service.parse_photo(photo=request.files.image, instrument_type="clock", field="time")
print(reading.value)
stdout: 3:31
